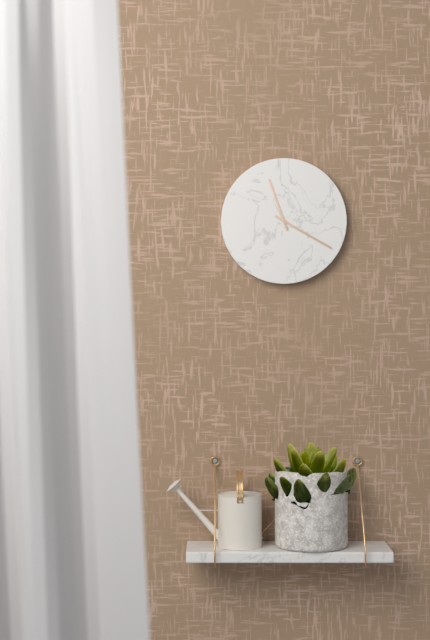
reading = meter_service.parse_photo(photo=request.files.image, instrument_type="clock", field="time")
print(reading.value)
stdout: 11:20
